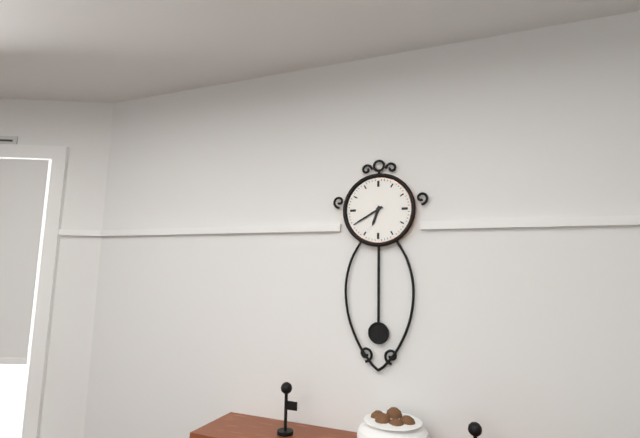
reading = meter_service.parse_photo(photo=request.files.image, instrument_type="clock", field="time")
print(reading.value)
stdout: 6:40
